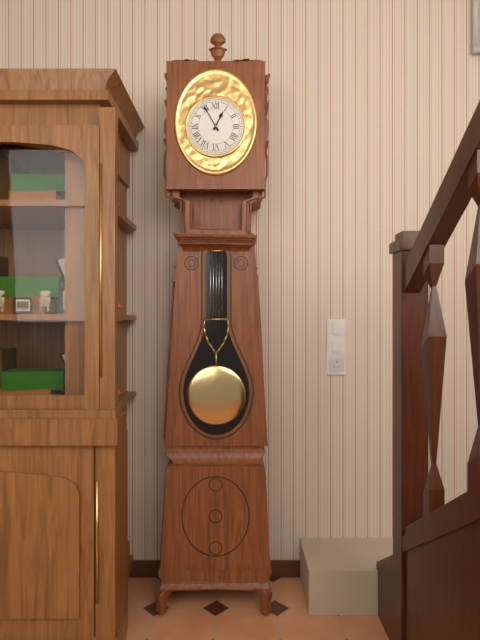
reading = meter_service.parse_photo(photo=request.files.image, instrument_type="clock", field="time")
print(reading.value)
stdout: 12:55
